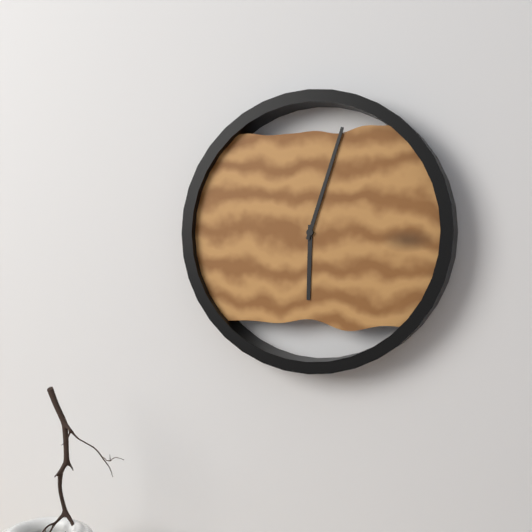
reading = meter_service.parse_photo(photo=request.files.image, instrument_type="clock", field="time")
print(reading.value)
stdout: 6:03
